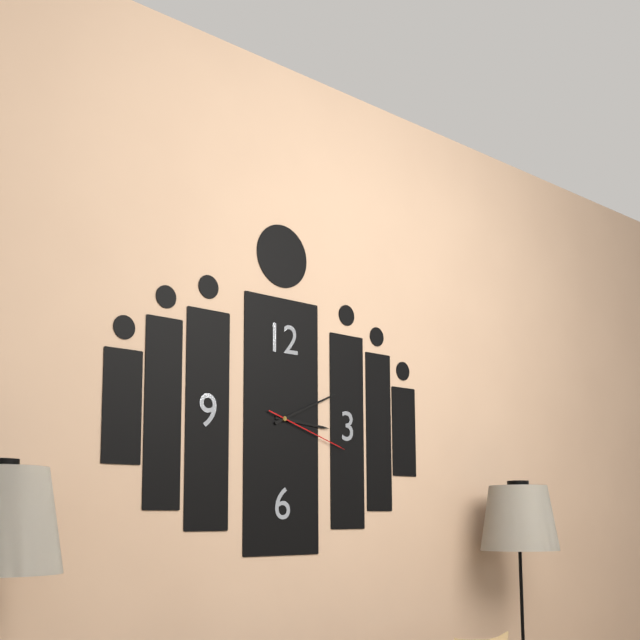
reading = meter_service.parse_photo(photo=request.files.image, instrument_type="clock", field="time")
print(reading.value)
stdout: 3:11:18
